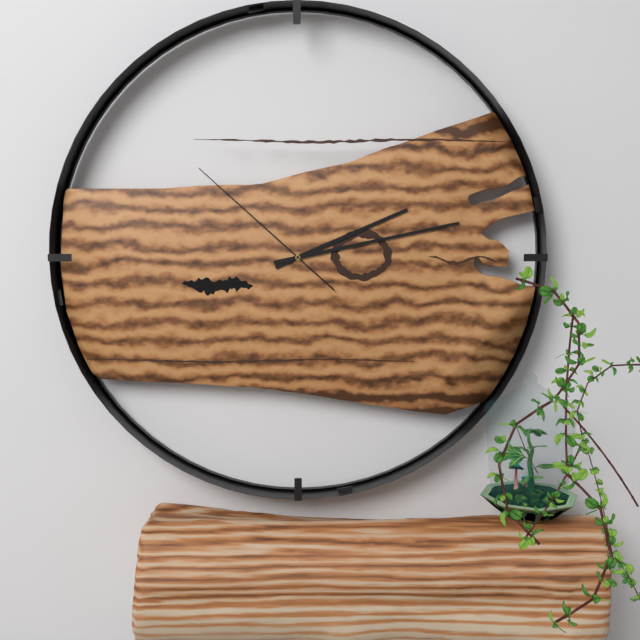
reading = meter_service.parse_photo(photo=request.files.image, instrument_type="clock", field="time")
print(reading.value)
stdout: 2:13:52
